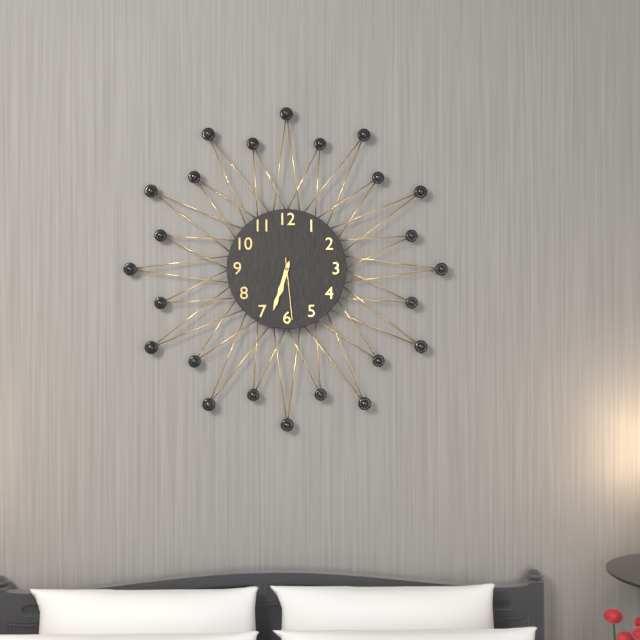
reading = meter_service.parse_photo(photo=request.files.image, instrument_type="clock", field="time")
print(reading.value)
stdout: 6:33:29
